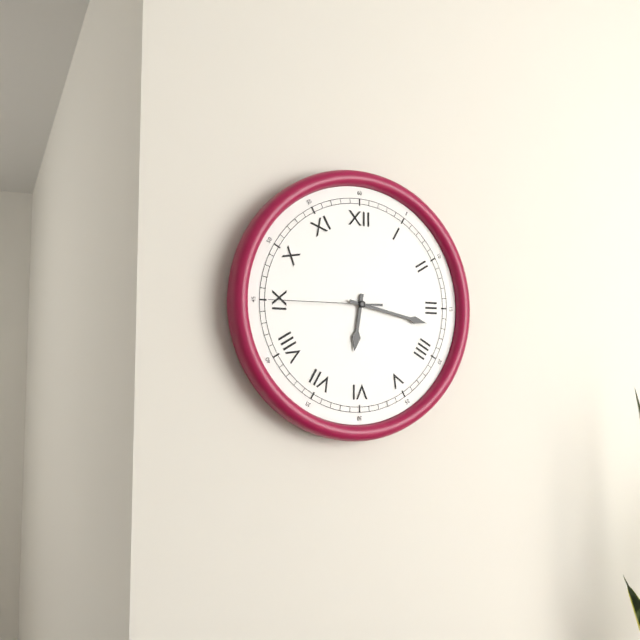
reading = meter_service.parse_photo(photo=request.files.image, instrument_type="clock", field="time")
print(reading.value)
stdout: 6:17:45
